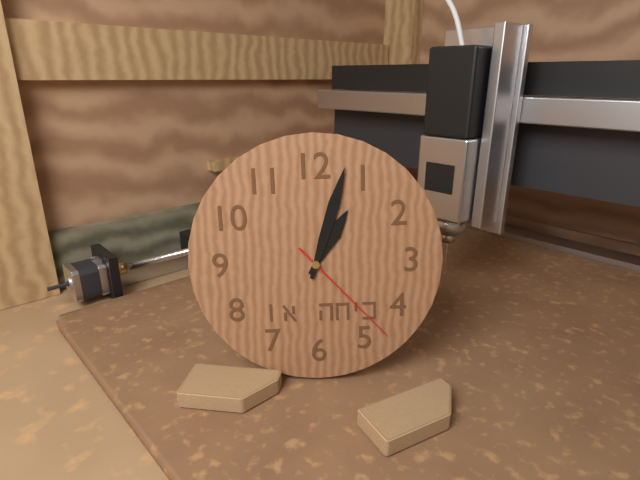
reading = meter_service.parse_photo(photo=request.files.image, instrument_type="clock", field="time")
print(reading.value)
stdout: 1:03:23
